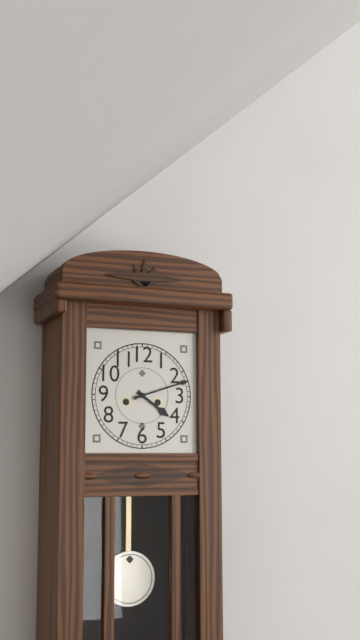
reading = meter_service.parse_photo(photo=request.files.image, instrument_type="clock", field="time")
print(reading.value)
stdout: 4:12
